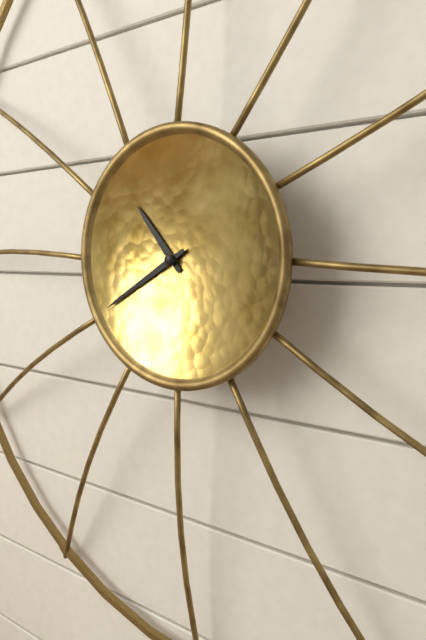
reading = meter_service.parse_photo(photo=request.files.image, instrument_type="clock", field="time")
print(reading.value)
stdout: 10:40
